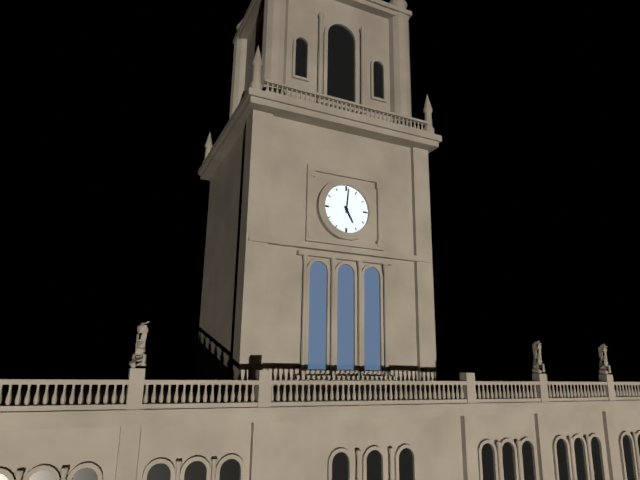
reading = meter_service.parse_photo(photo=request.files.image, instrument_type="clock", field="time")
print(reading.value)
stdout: 5:01
